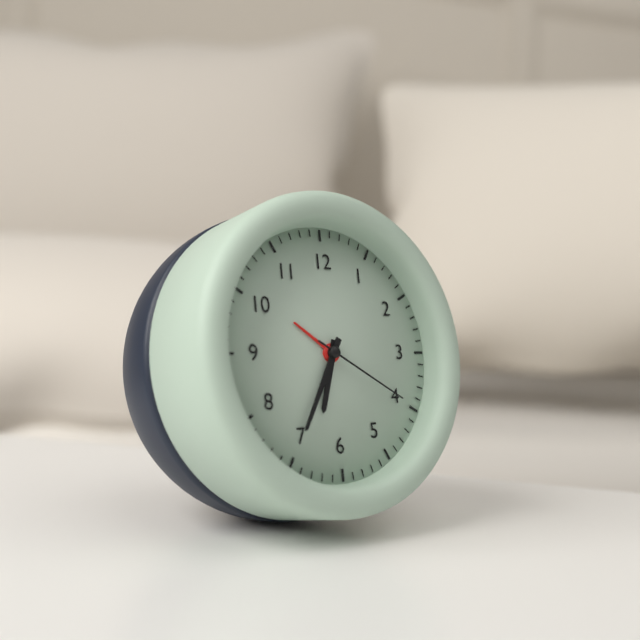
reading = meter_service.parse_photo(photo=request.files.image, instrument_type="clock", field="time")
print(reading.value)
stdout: 6:35:20
